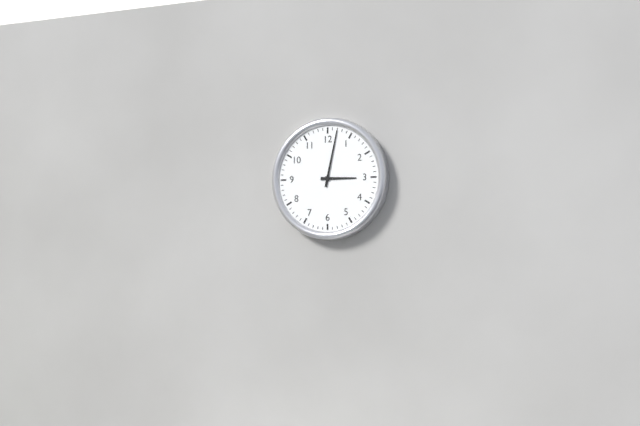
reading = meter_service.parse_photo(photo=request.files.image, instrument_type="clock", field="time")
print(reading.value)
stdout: 3:02
